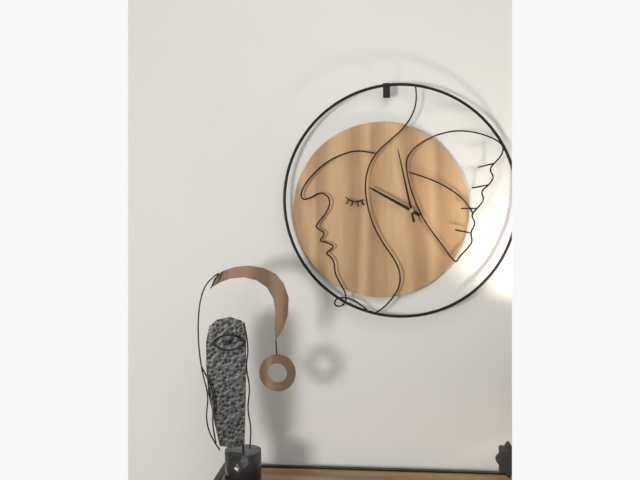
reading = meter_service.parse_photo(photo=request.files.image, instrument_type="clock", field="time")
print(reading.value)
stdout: 9:58
